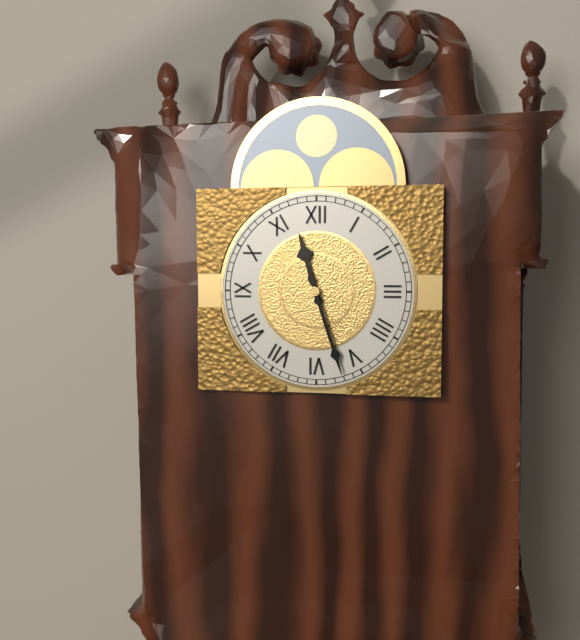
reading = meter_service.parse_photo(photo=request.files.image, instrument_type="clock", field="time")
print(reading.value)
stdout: 11:27
